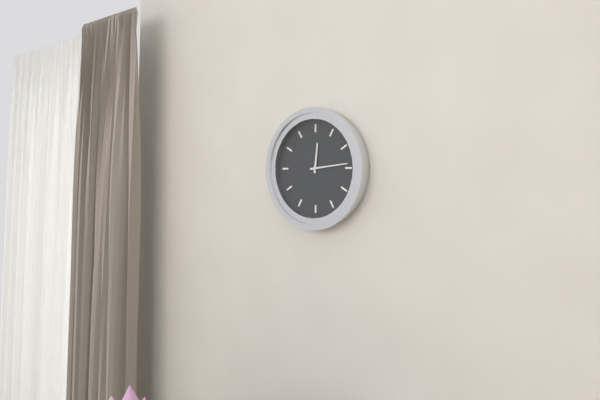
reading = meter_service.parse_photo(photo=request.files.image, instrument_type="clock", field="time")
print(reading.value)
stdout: 12:14
